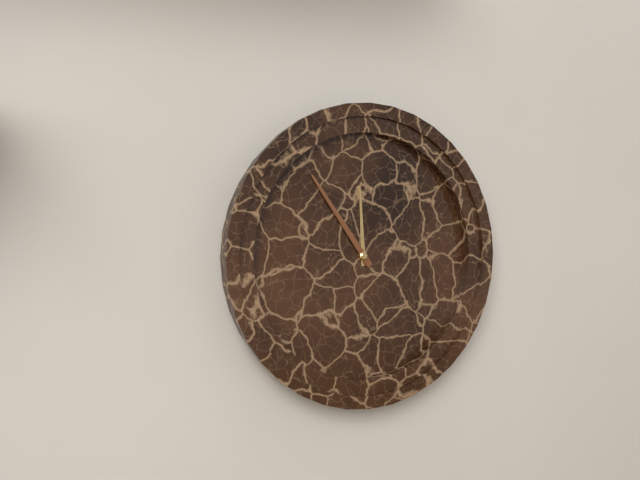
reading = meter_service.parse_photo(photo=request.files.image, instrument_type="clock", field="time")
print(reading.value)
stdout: 11:54
